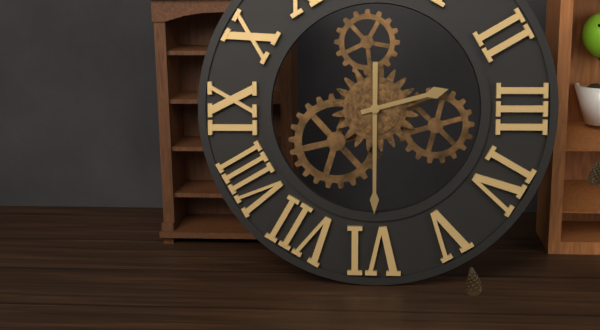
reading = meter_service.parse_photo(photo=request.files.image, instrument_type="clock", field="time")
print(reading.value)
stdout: 2:30
